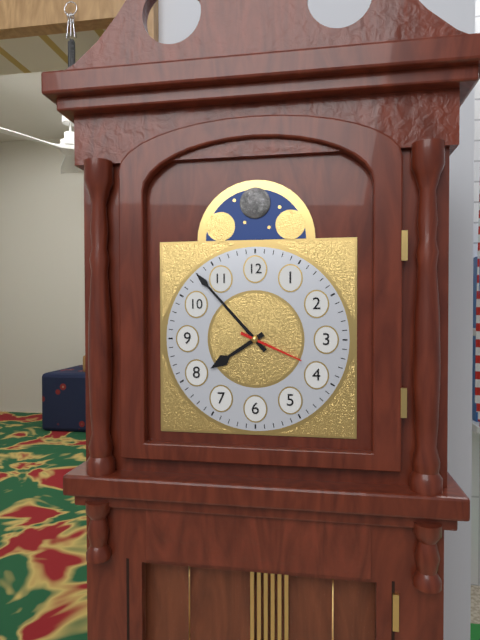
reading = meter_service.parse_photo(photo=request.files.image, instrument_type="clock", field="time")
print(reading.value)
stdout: 7:53:19
